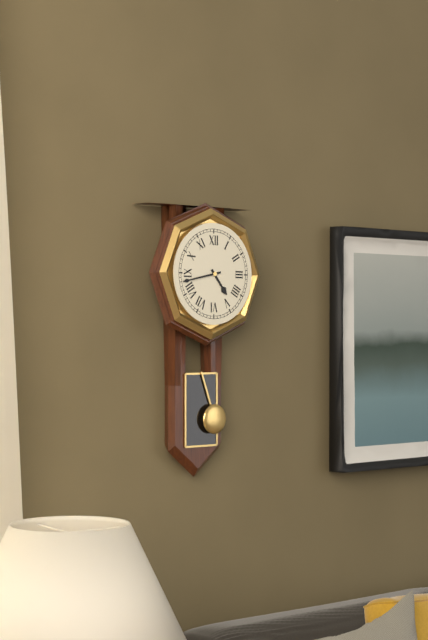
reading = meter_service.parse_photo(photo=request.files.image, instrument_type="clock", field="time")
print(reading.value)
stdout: 4:43
